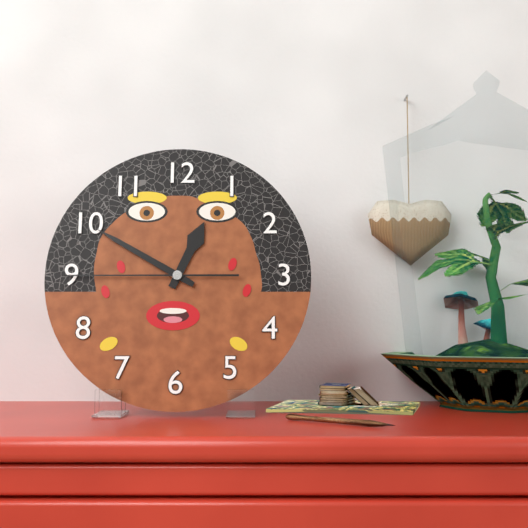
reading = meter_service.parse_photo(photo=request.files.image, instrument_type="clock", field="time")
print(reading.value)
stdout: 12:50:45
